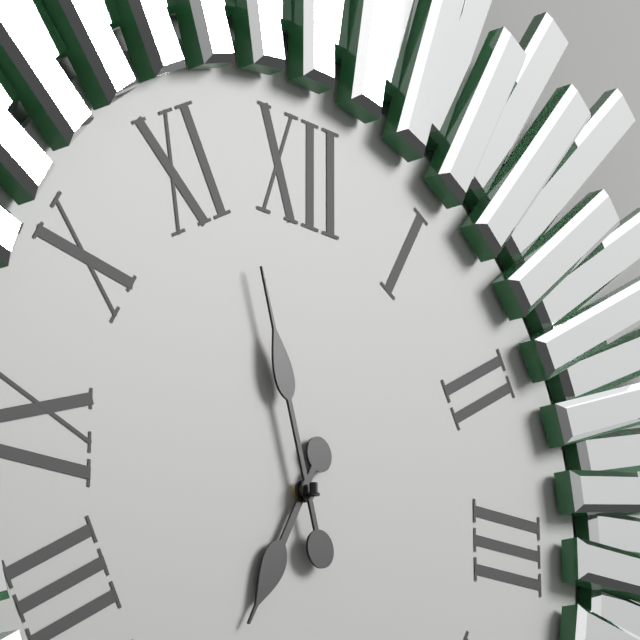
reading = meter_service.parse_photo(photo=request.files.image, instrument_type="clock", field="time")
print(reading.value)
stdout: 6:57
